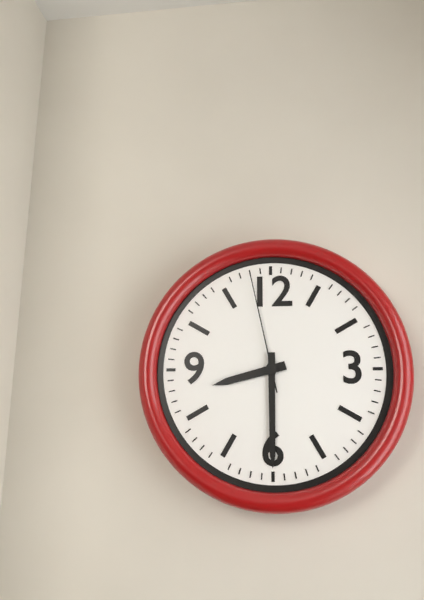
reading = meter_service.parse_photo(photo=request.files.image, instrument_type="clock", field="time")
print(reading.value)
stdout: 8:30:58
